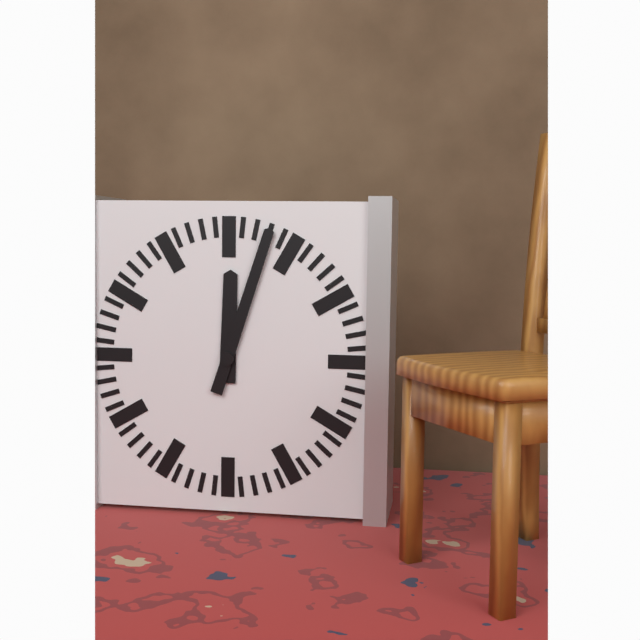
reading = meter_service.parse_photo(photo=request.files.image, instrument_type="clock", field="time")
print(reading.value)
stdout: 12:03
